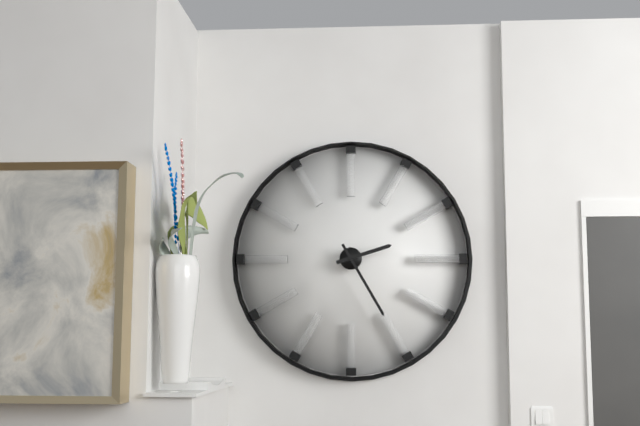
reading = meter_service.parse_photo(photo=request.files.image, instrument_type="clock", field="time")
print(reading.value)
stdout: 2:25
